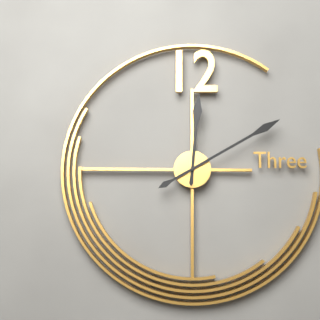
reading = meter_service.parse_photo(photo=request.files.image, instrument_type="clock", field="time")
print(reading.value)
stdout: 12:10
